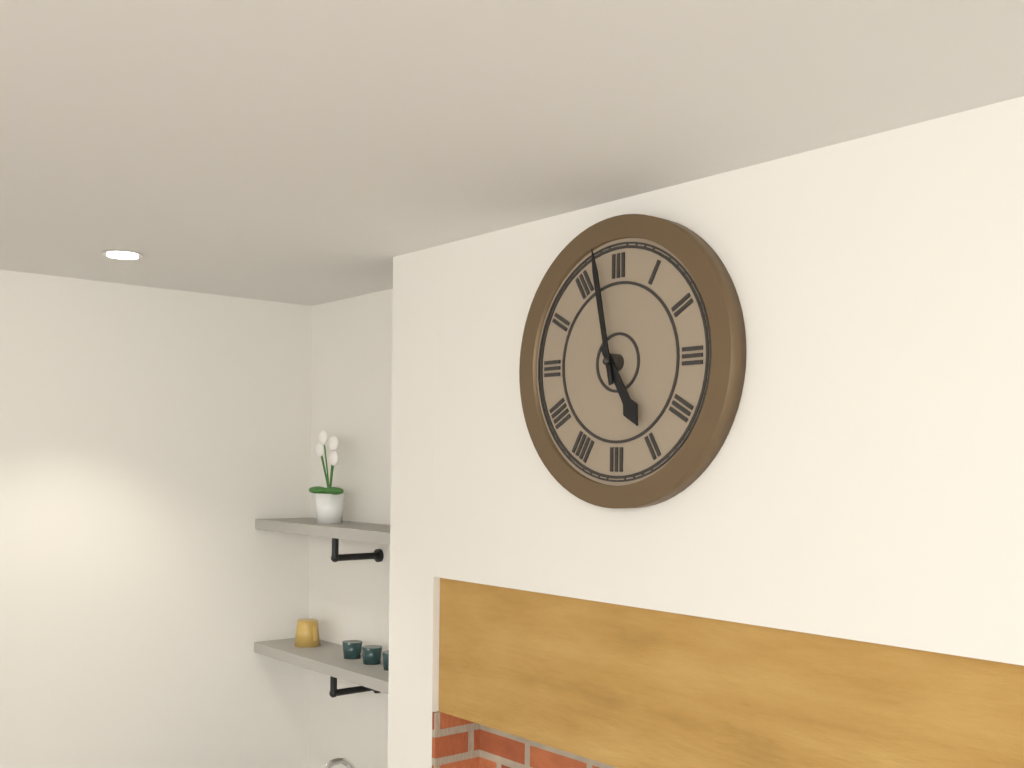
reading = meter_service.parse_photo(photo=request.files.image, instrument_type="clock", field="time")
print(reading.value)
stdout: 4:58
